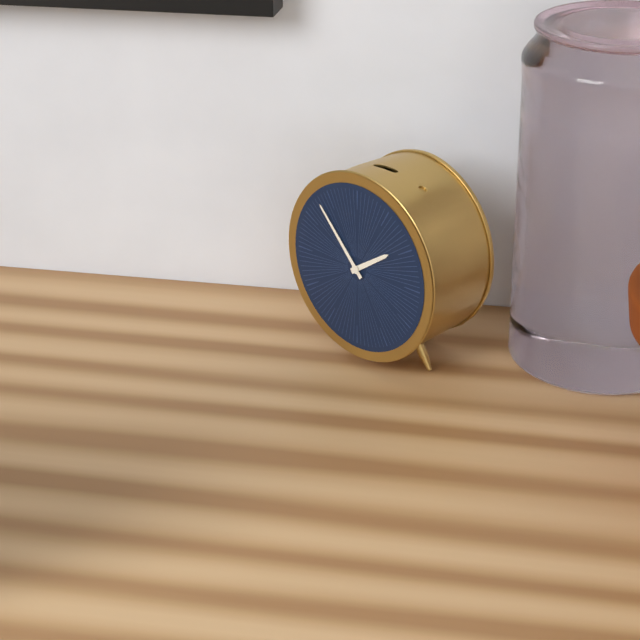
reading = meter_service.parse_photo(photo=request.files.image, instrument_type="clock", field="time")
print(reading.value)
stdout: 1:53
